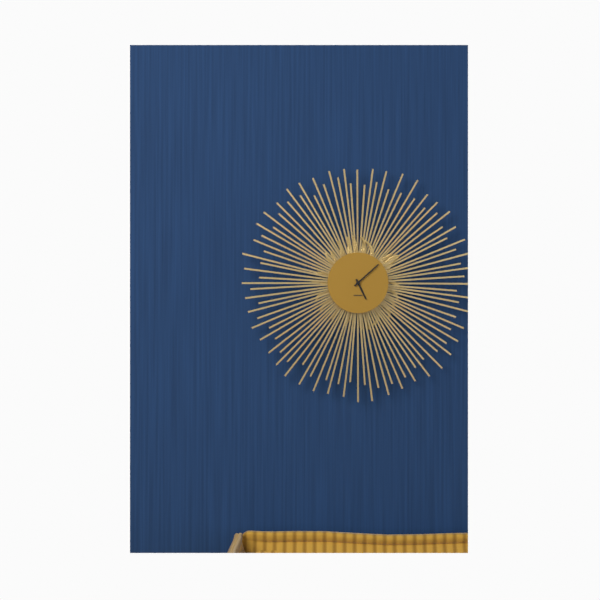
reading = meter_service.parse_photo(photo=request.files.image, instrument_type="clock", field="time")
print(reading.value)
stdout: 5:08
